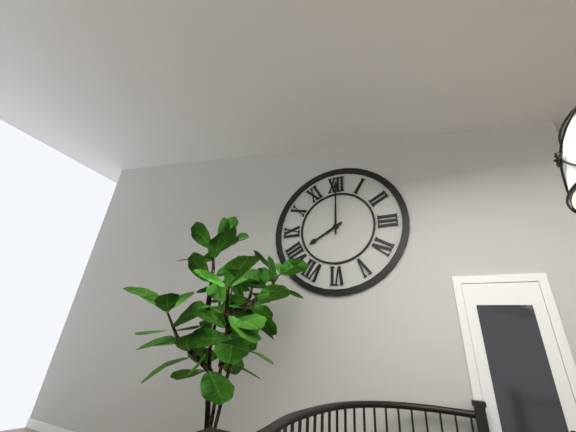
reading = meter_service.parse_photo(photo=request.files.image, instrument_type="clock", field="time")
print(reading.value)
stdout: 8:00
